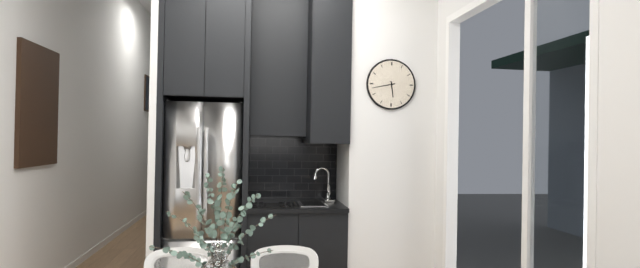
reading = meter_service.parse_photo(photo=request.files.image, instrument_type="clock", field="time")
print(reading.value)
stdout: 5:43
